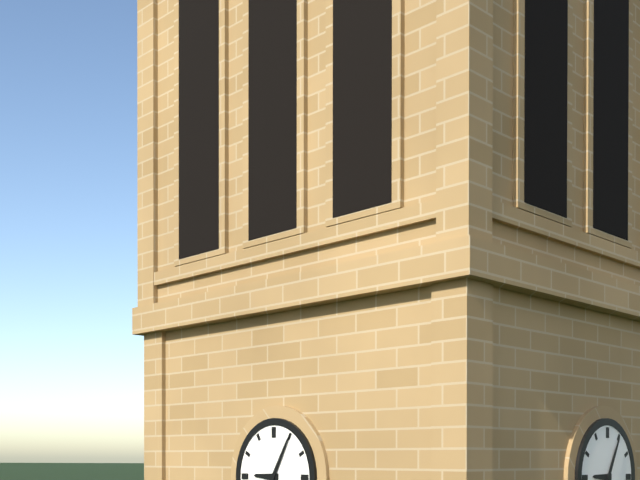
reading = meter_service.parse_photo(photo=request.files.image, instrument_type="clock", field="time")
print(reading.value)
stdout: 9:05
